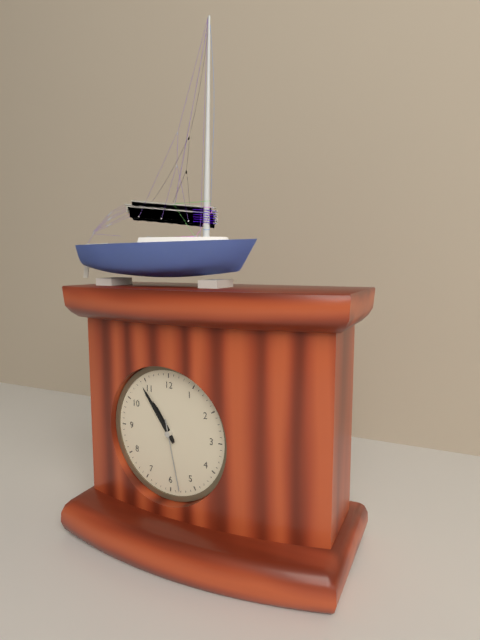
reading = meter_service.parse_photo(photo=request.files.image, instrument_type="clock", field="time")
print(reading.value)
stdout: 10:54:28
